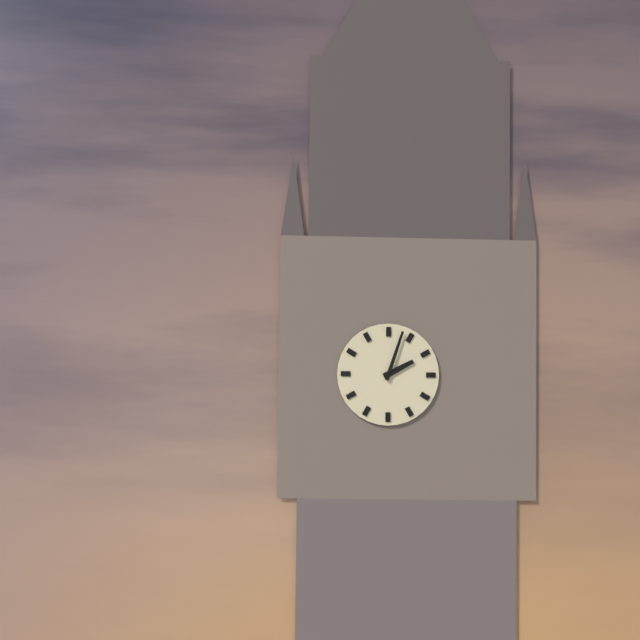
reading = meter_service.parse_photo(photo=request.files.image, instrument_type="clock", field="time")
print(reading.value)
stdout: 2:03
